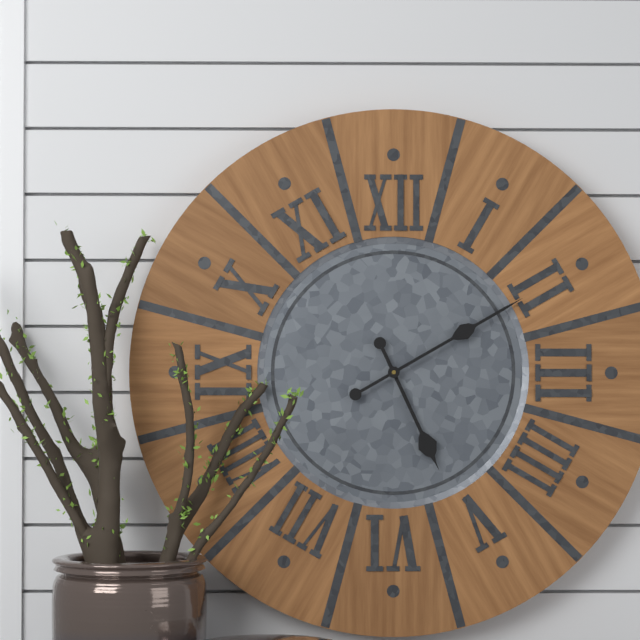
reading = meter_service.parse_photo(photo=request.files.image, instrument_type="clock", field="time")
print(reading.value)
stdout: 5:10
